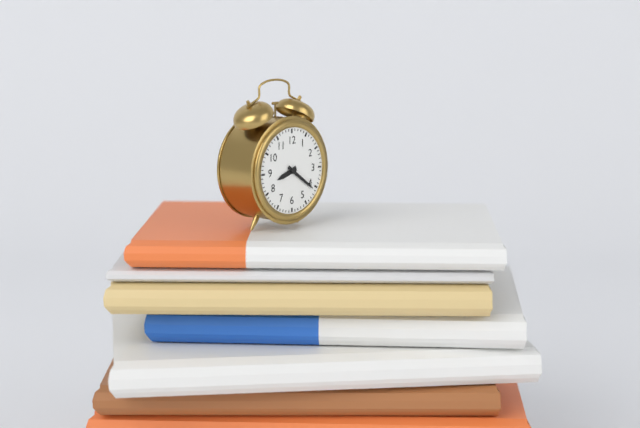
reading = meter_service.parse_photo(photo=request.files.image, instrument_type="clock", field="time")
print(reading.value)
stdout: 8:21
